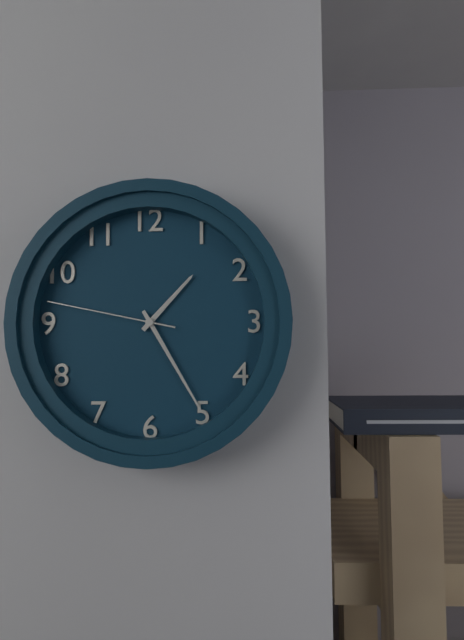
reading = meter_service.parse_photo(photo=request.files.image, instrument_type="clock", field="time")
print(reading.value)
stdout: 1:25:47
